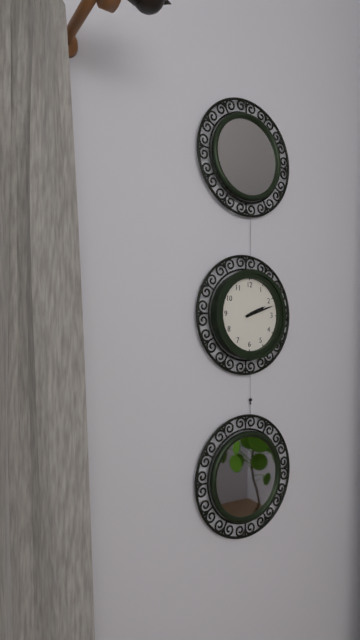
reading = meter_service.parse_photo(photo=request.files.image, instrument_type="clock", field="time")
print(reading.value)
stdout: 2:12
